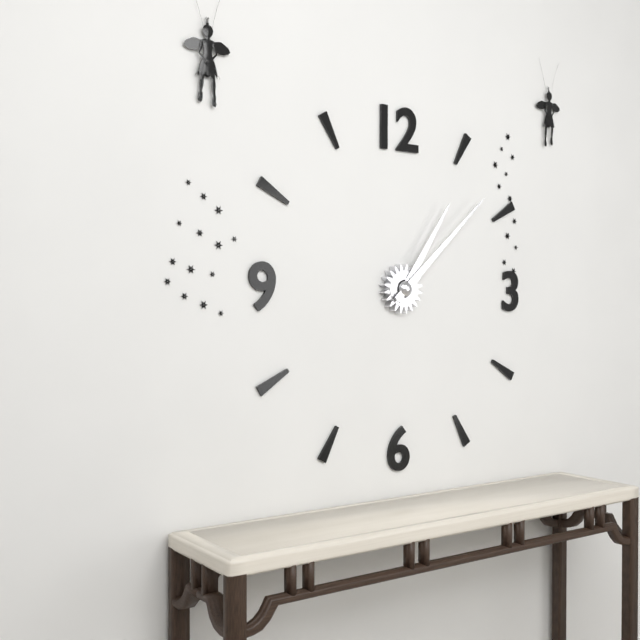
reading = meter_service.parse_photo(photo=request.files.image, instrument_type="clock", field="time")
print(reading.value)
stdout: 1:08
